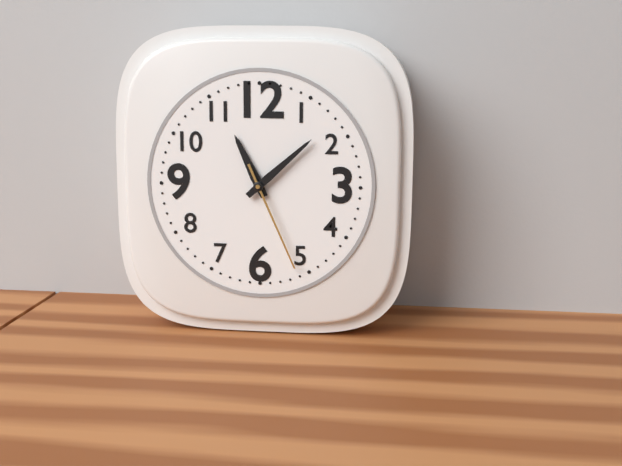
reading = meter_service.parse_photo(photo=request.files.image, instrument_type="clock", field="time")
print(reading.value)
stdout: 11:08:26
